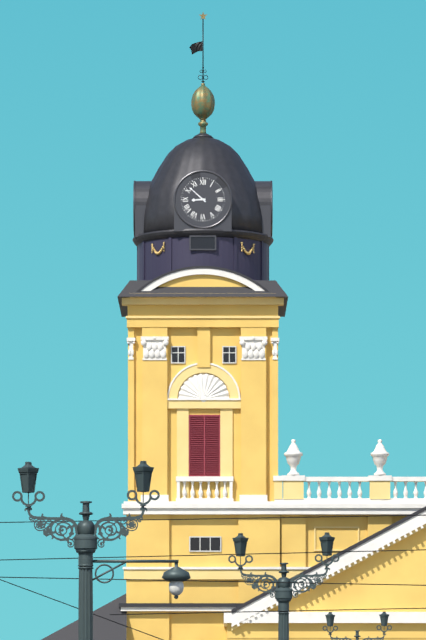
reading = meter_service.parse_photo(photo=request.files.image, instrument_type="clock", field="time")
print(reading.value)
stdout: 8:52
